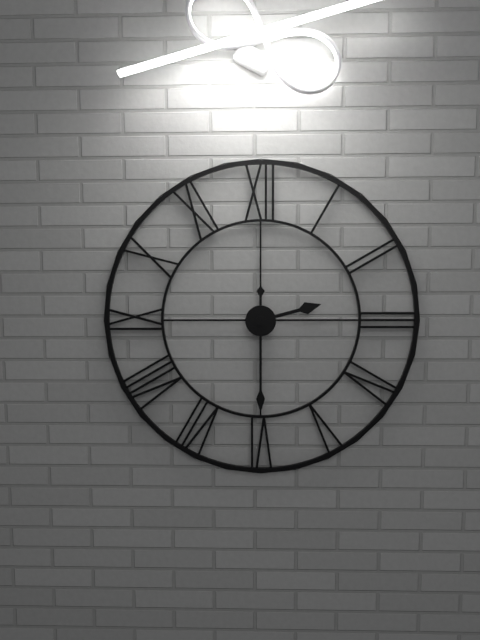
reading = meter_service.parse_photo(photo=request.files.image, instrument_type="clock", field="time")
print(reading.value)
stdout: 2:30
